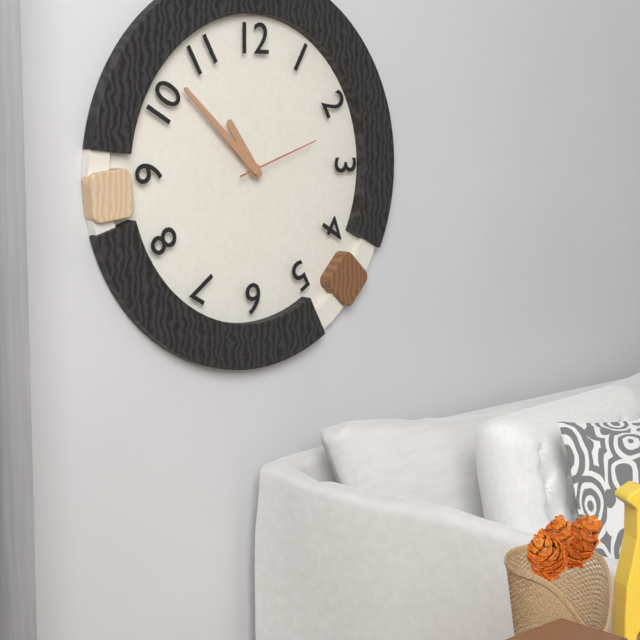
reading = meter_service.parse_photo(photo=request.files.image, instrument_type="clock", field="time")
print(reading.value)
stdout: 10:52:12
